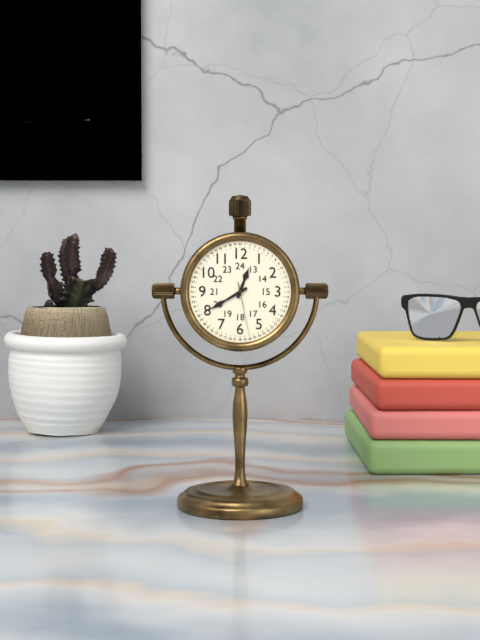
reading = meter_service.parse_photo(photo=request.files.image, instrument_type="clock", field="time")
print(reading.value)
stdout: 12:40:28
